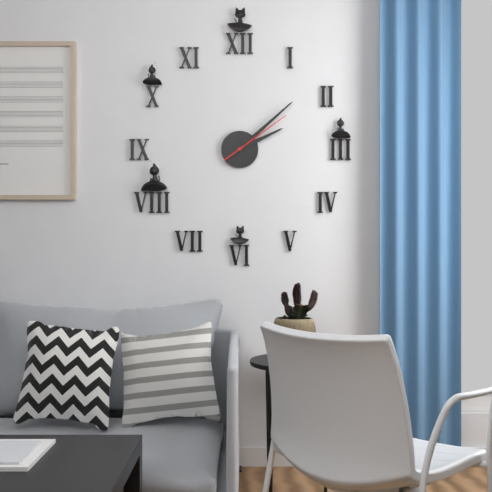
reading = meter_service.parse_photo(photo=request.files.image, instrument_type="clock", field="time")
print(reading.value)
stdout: 2:08:09
